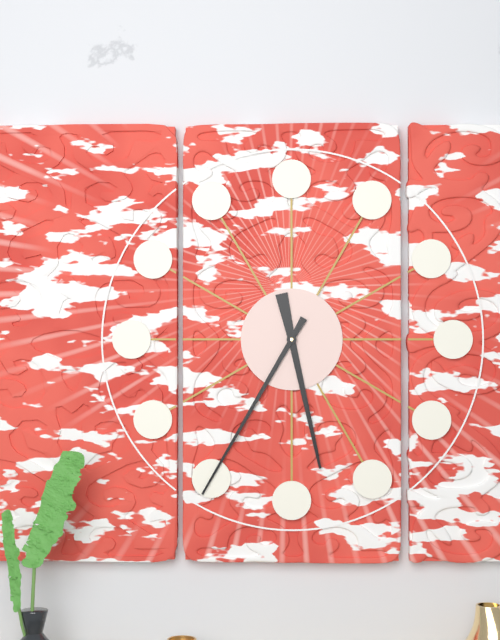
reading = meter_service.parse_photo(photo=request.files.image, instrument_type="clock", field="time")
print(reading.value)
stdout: 5:35
